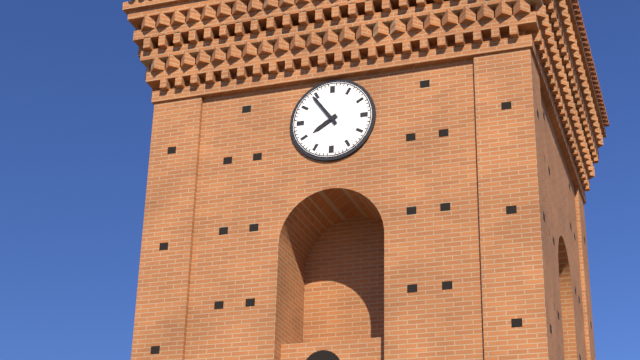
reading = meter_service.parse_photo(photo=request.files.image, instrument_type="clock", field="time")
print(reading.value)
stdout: 7:54
